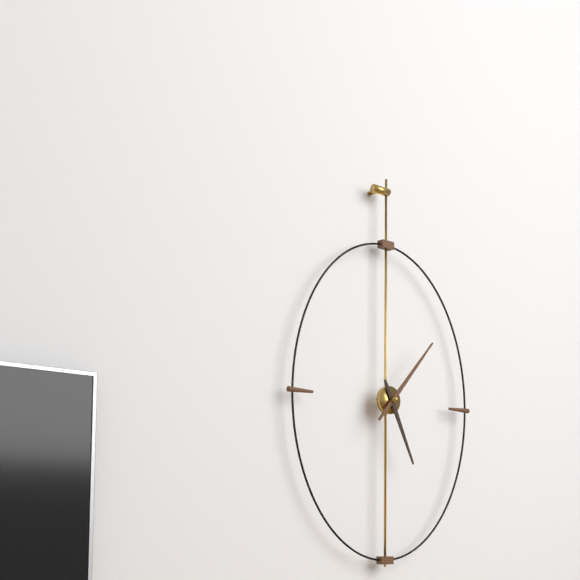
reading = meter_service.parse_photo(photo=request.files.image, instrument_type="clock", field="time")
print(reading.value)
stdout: 5:07
